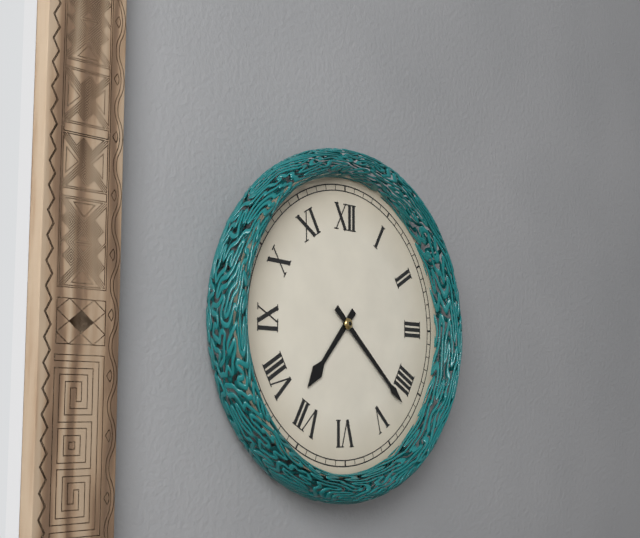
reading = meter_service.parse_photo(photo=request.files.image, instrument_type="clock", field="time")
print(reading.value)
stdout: 7:22
